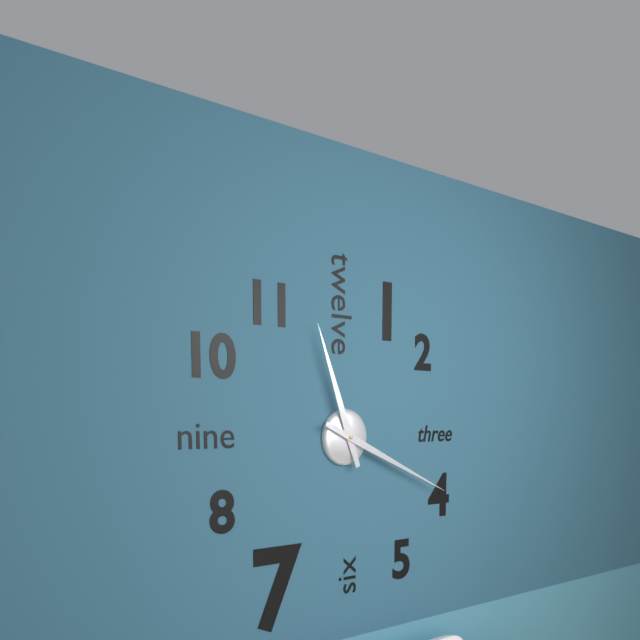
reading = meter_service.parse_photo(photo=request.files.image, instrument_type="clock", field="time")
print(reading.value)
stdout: 11:19
